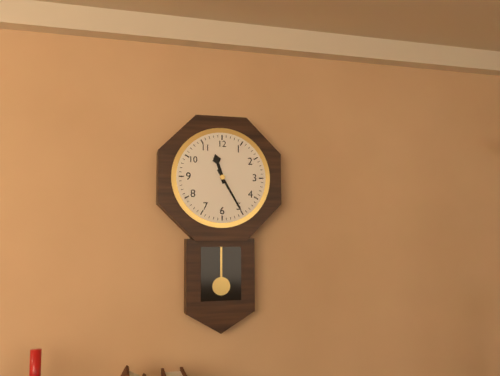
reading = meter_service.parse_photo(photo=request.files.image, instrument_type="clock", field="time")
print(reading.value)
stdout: 11:25
